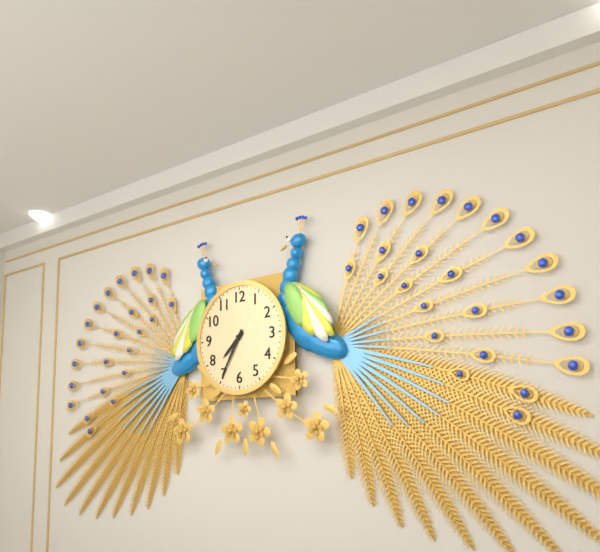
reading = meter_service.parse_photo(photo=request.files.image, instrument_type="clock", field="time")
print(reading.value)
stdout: 7:35
